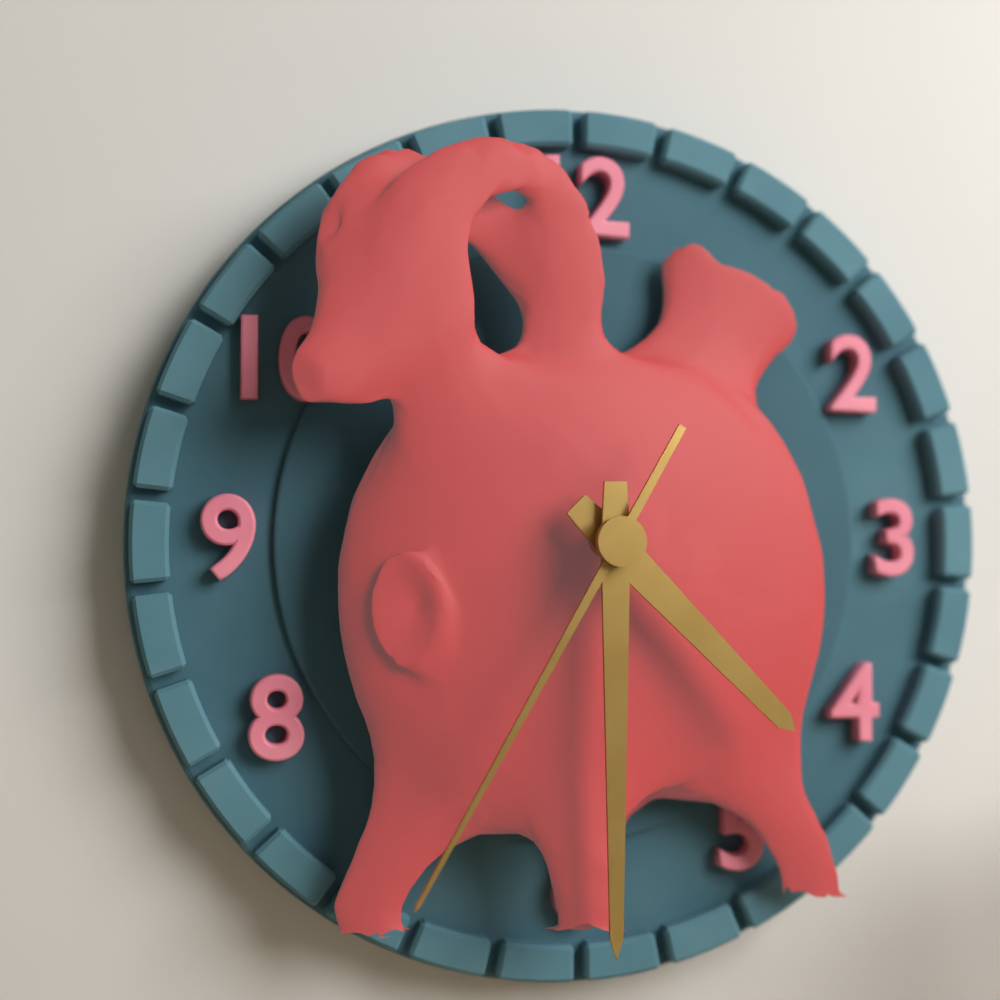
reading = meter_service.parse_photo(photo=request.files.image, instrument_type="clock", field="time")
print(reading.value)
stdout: 4:30:35
